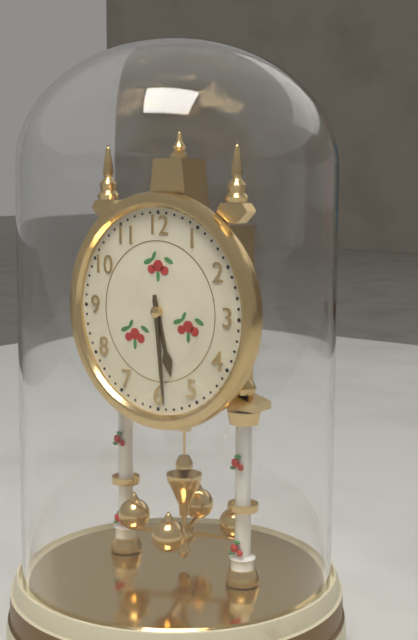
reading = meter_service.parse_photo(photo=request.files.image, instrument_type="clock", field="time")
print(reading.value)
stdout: 5:29
